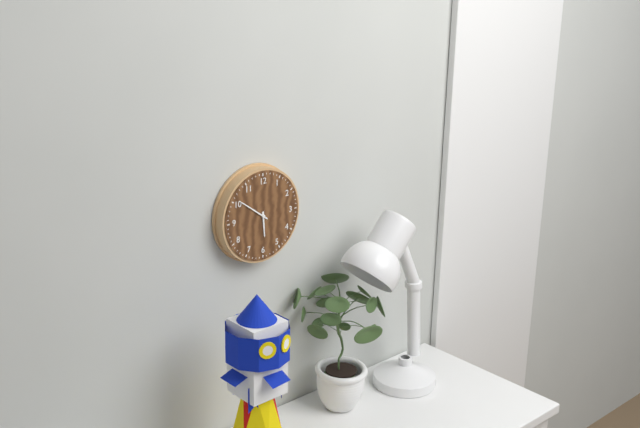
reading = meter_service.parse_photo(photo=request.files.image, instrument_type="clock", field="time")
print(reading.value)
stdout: 5:51
